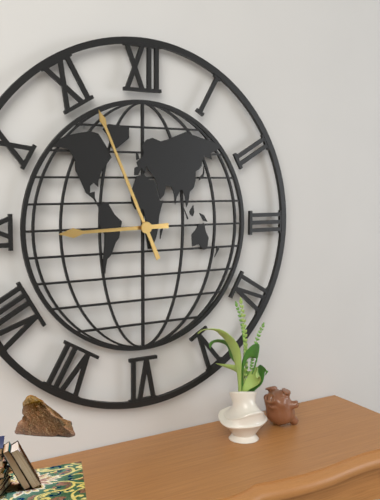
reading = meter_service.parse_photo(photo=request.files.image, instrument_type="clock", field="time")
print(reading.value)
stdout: 8:56
